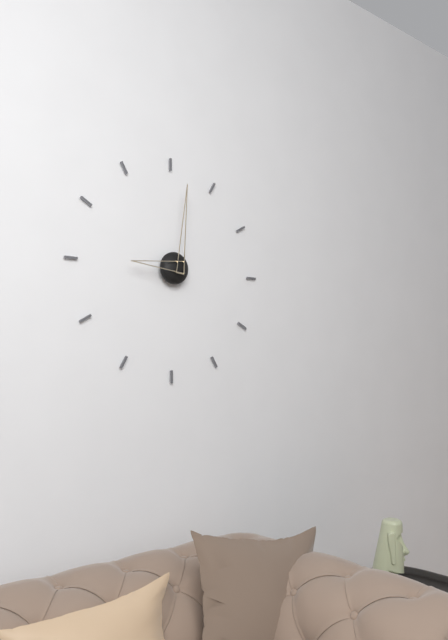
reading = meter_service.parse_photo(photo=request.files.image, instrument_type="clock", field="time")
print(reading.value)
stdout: 9:01
